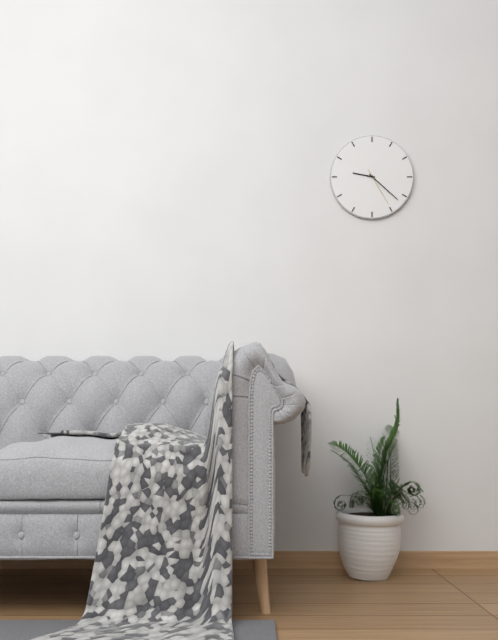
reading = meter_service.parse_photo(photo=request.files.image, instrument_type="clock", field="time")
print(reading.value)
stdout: 9:22
